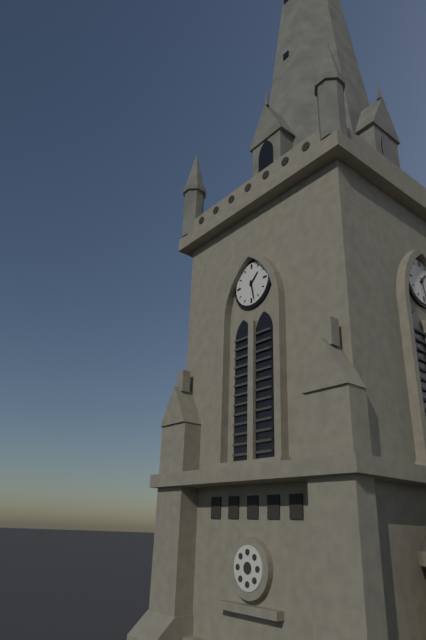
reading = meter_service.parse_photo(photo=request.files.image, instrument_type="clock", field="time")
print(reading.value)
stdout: 1:28
